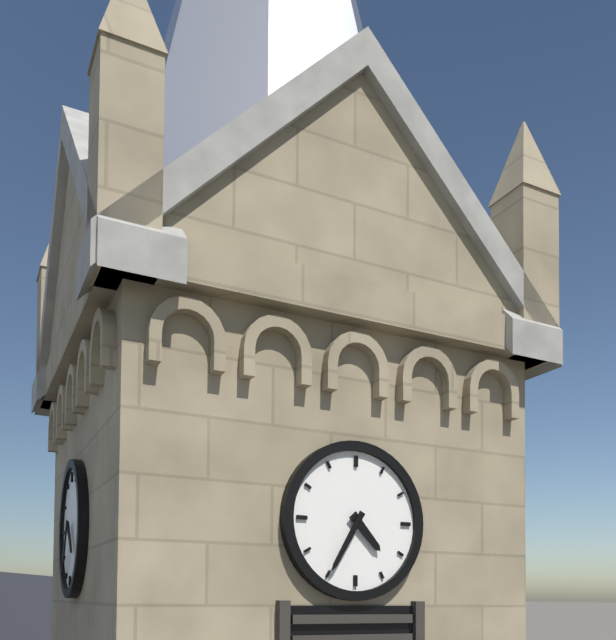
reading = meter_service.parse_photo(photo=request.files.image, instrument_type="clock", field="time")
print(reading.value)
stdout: 4:35
